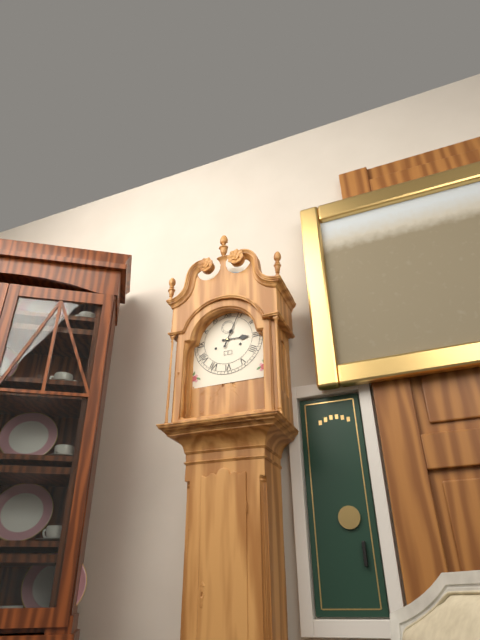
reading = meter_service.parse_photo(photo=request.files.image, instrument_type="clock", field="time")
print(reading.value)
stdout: 3:04
